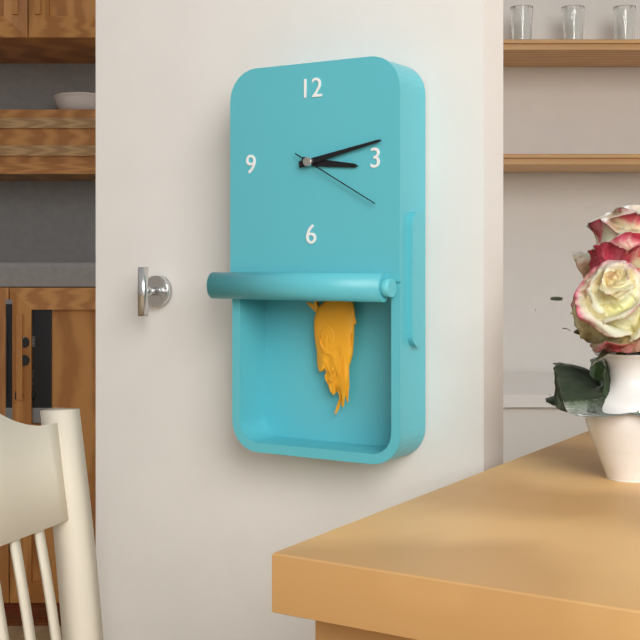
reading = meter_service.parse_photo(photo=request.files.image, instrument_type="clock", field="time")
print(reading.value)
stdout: 3:13:20
